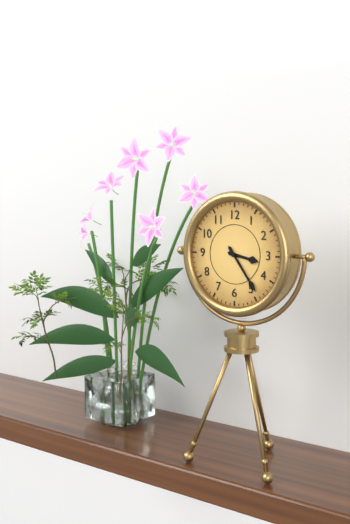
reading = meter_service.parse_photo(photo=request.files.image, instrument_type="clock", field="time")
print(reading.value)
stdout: 3:24
